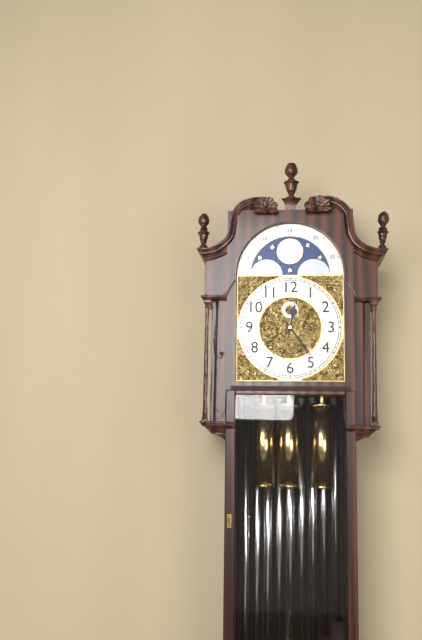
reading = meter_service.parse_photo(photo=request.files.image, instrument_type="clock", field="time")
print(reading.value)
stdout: 12:24
